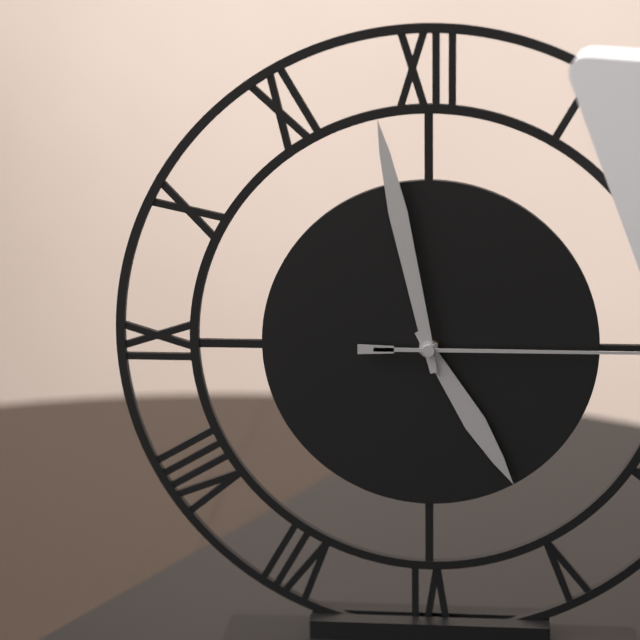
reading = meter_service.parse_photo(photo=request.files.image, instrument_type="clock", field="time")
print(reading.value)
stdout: 4:58
